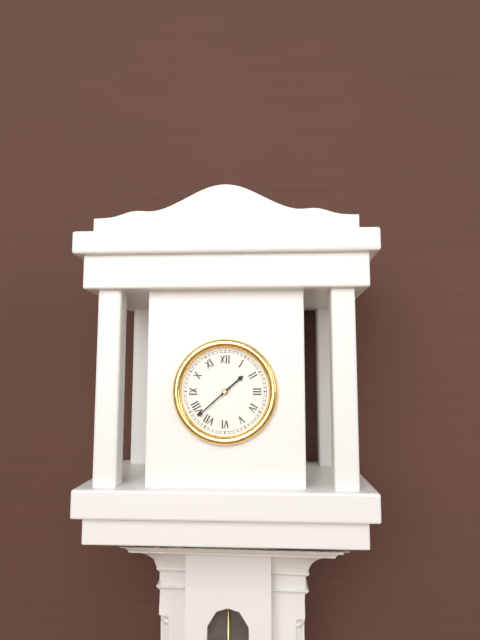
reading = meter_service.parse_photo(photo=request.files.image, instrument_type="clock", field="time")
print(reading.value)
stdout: 1:38
